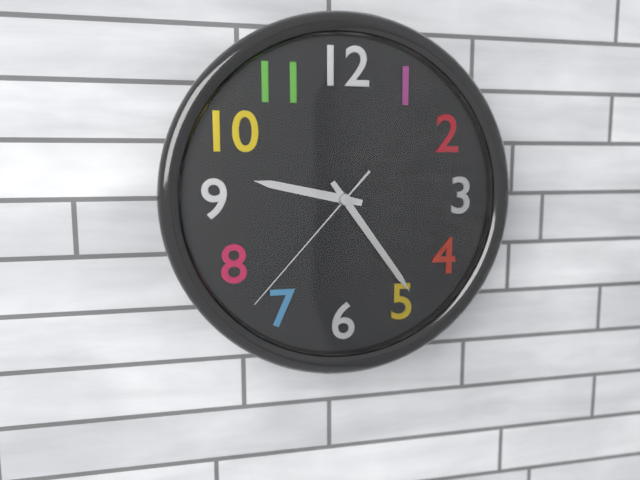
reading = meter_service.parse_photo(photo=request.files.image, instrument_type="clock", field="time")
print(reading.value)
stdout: 9:24:37
